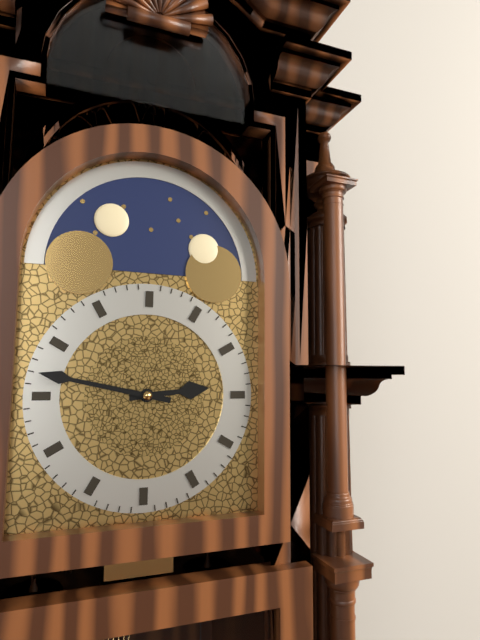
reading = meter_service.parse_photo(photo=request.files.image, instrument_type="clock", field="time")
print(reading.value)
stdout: 2:47
